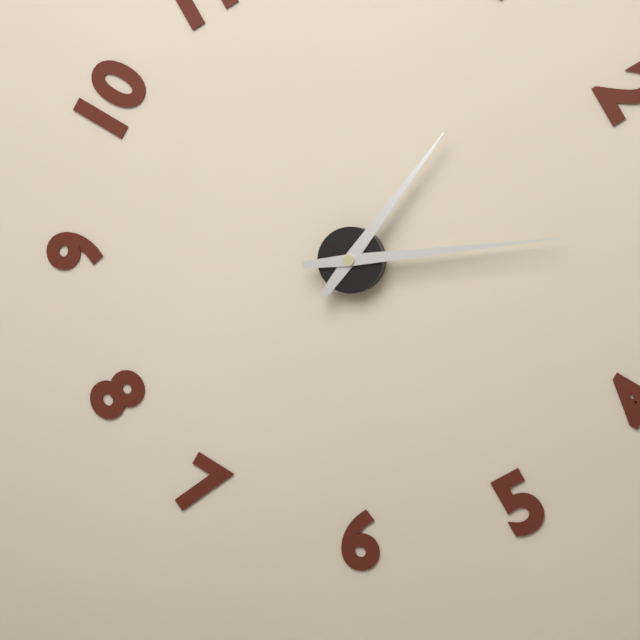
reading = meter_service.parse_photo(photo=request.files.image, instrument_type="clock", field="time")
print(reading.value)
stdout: 1:14
